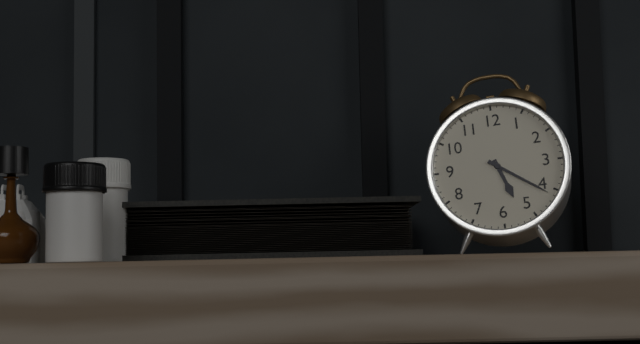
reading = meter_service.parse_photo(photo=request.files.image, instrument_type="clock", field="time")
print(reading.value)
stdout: 5:21
